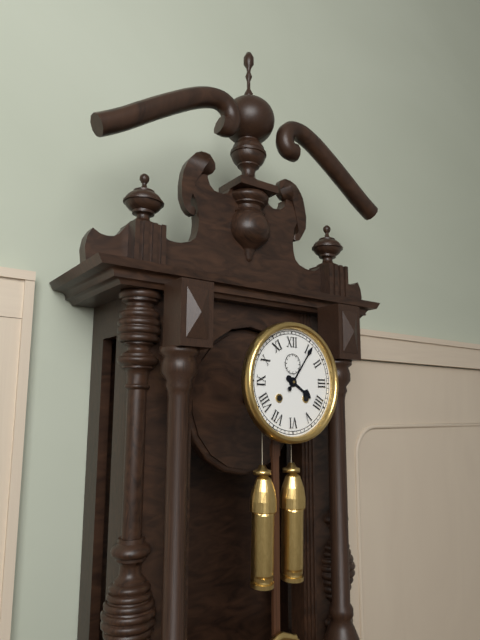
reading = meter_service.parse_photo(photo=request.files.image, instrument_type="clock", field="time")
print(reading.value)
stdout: 4:06
